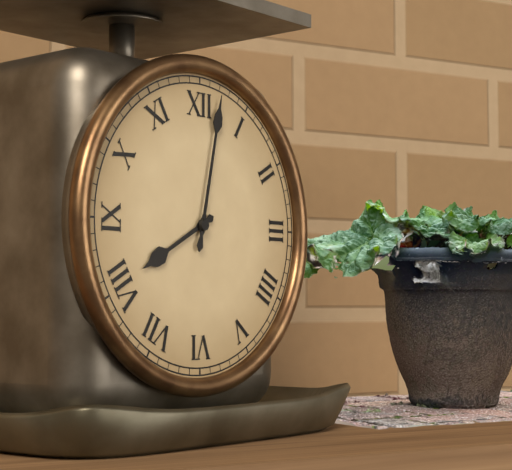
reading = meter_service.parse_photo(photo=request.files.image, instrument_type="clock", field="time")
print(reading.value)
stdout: 8:02
